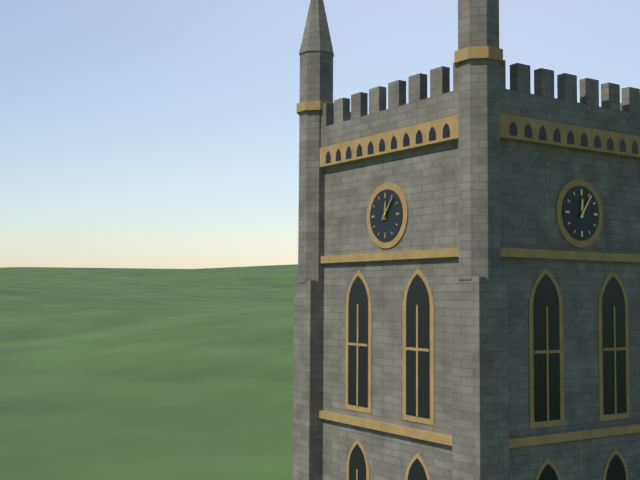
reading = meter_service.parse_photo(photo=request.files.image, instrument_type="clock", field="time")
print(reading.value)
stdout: 12:06
